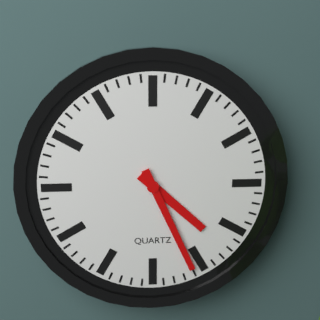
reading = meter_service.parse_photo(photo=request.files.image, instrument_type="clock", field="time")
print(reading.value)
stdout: 4:26
